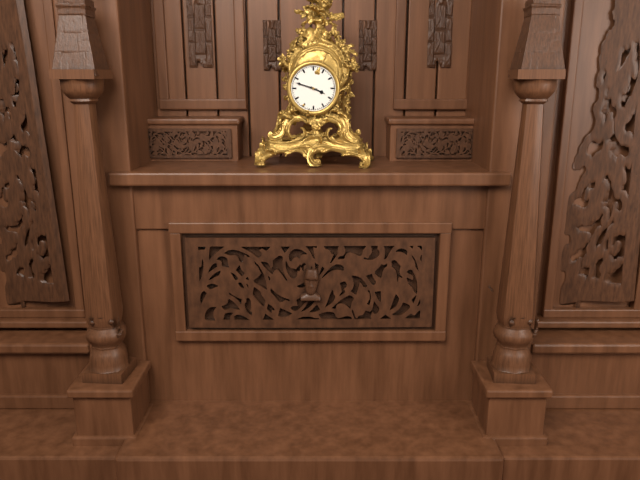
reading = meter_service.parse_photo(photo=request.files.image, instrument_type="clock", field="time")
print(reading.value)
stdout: 3:48
